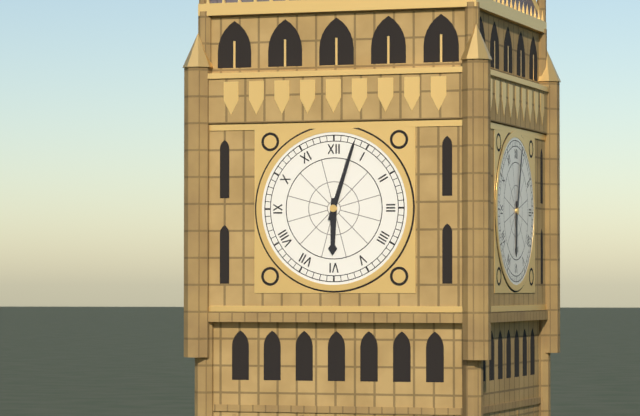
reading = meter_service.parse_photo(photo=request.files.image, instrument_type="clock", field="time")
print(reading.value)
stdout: 6:03
